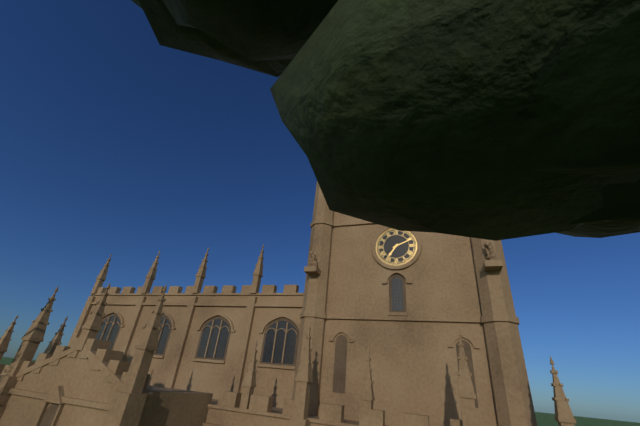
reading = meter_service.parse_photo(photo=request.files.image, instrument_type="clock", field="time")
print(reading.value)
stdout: 7:11
